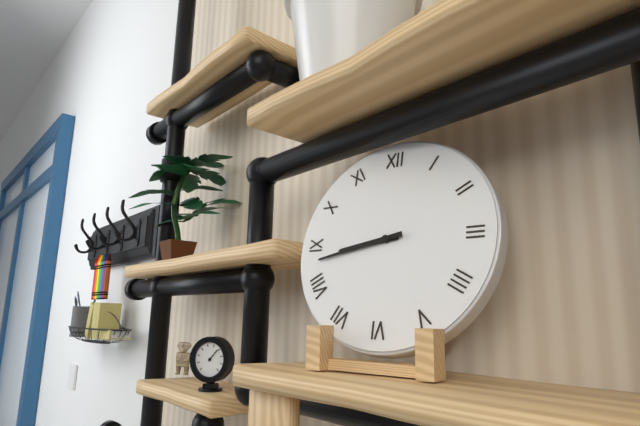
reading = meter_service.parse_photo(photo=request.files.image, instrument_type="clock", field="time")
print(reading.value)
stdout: 8:43
